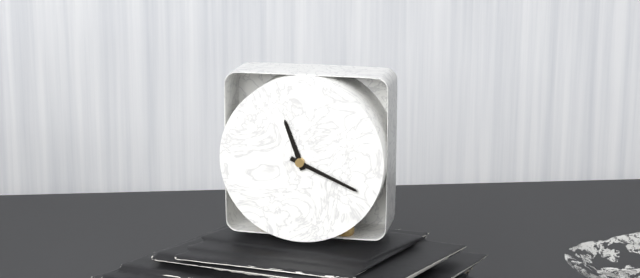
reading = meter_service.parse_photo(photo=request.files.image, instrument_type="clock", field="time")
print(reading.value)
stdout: 11:19
